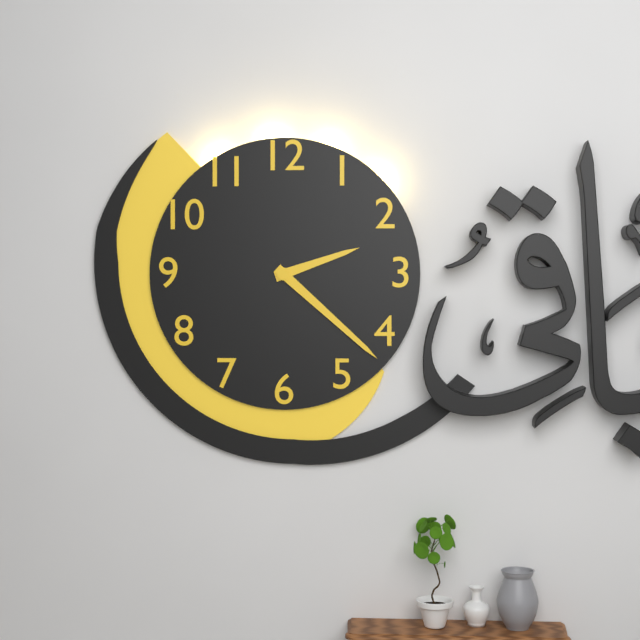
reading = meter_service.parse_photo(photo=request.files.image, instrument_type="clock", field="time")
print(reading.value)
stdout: 2:22
